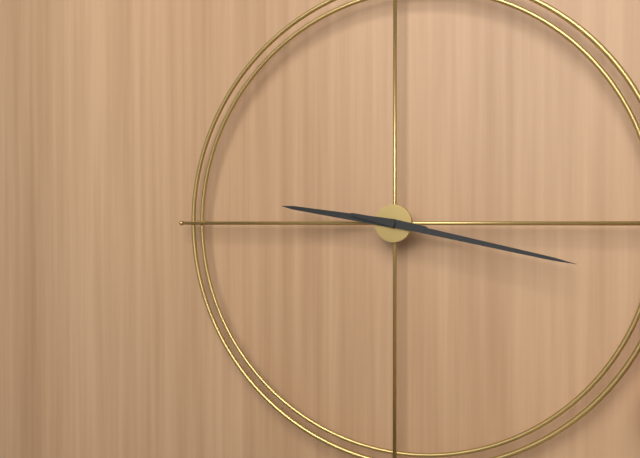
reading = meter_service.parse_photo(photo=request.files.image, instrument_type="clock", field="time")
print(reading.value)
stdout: 9:17
